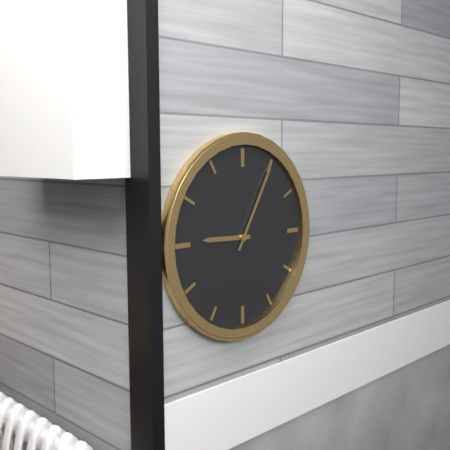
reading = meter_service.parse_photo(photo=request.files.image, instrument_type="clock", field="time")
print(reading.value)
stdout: 9:05
